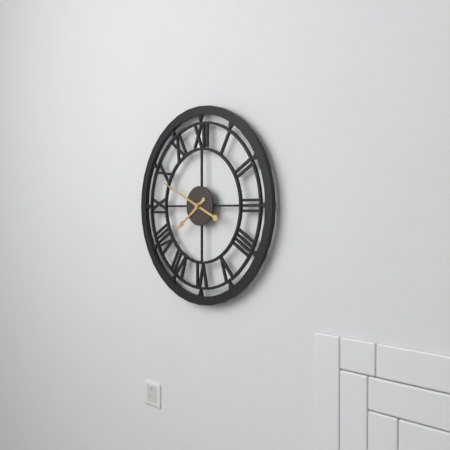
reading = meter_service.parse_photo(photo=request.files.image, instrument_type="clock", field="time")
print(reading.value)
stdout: 7:49
